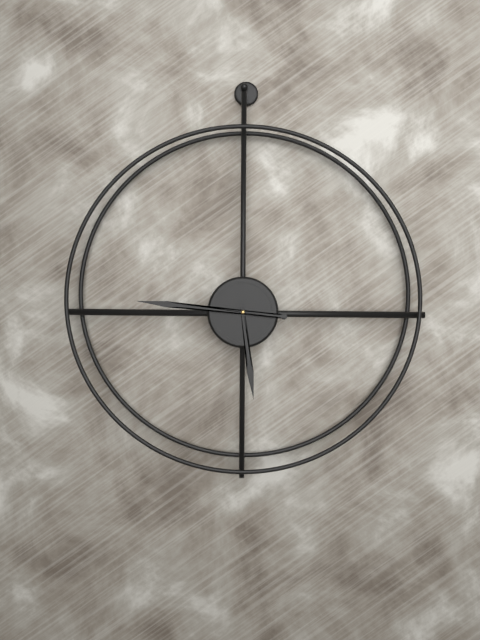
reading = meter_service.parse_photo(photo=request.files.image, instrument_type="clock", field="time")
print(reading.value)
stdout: 5:46
